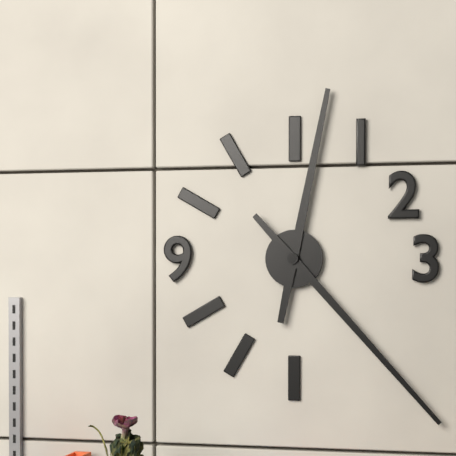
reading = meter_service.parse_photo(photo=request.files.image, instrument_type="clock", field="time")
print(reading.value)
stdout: 12:23
